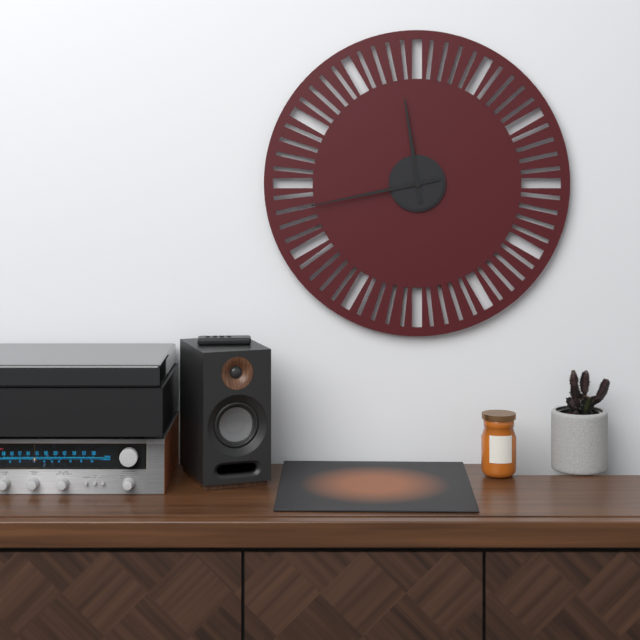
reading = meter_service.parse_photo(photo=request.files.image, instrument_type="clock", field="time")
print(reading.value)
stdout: 11:43
